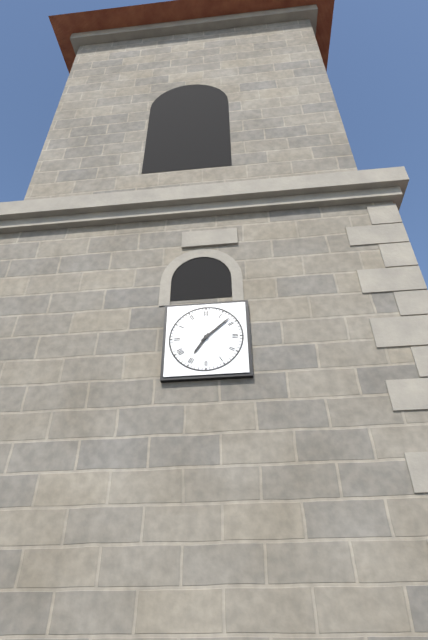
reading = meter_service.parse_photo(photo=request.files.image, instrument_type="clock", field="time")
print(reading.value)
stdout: 7:08
